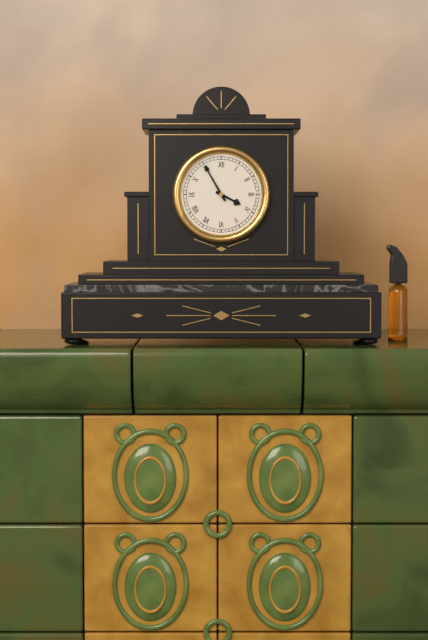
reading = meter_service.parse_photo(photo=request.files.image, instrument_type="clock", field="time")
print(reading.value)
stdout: 3:55
